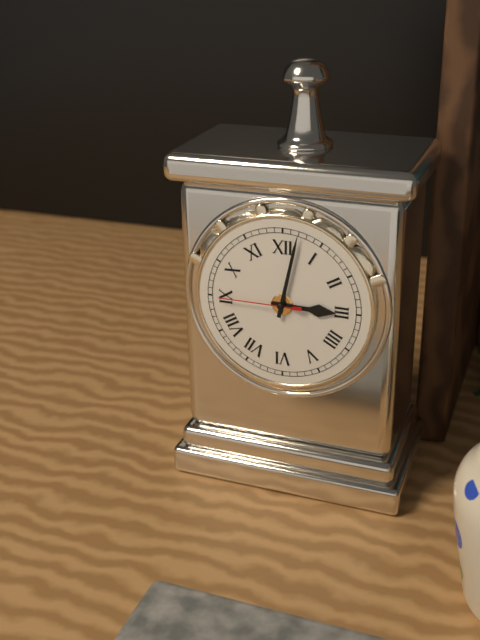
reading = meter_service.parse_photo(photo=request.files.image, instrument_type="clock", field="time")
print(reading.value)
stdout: 3:02:45
